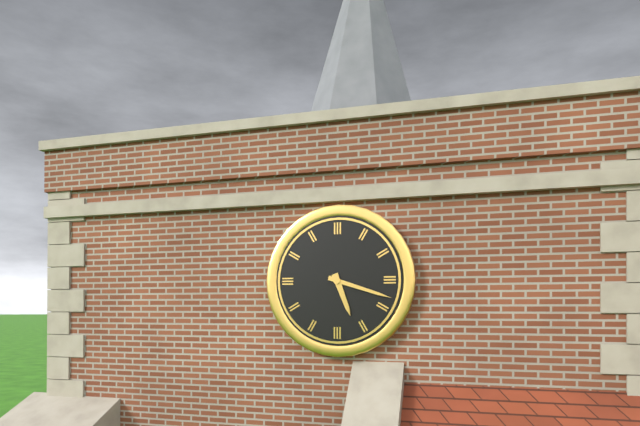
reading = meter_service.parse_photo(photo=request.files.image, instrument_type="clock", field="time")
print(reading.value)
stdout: 5:18
